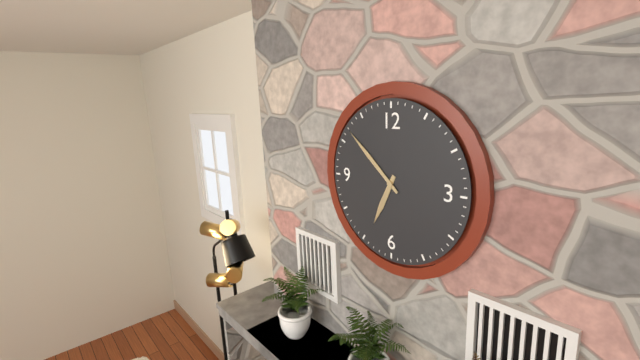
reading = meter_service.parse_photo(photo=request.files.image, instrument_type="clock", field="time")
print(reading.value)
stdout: 6:52
